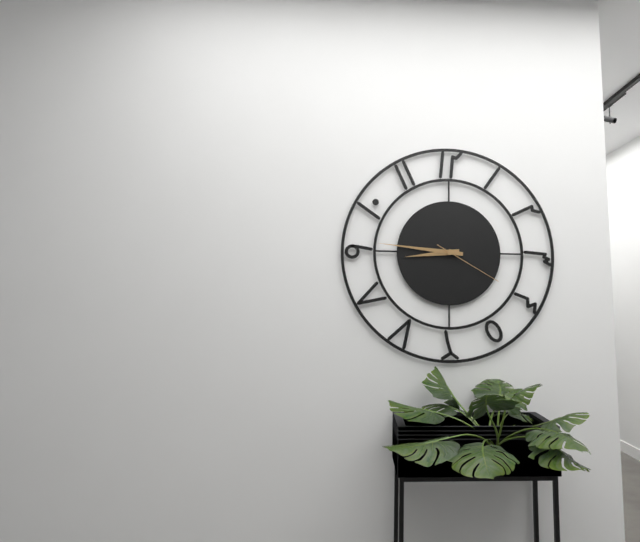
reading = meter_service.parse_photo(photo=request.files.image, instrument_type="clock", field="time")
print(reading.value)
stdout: 8:46:20
